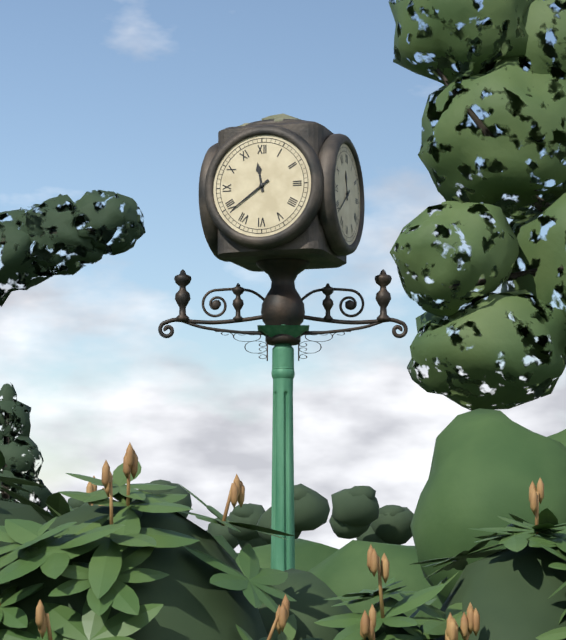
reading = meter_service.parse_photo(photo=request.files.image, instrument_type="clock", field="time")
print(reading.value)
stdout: 11:39
